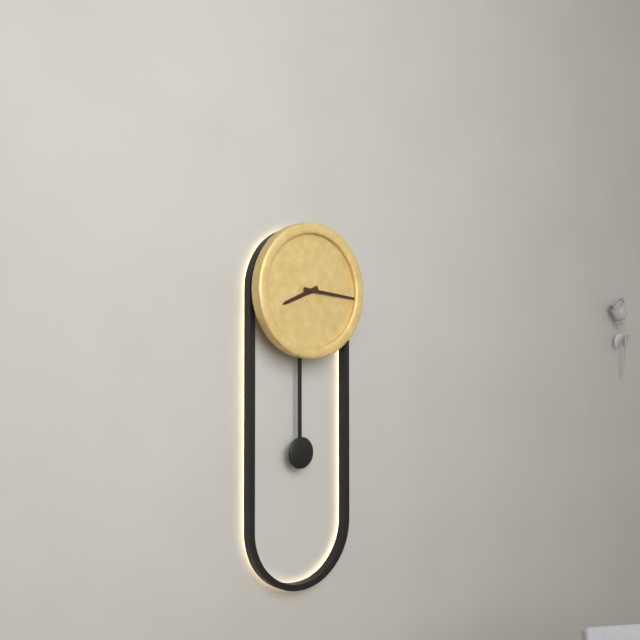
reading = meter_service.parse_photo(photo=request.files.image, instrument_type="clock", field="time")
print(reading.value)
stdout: 8:16
